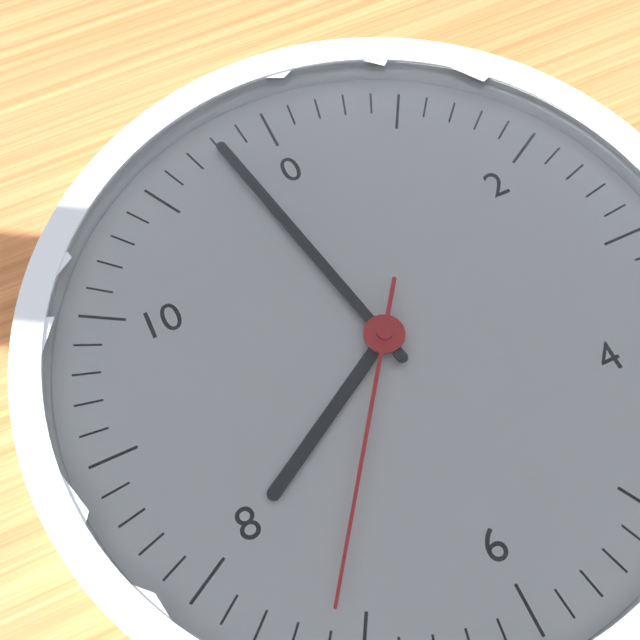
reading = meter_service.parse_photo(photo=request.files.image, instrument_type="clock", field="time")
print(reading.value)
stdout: 7:58:36
